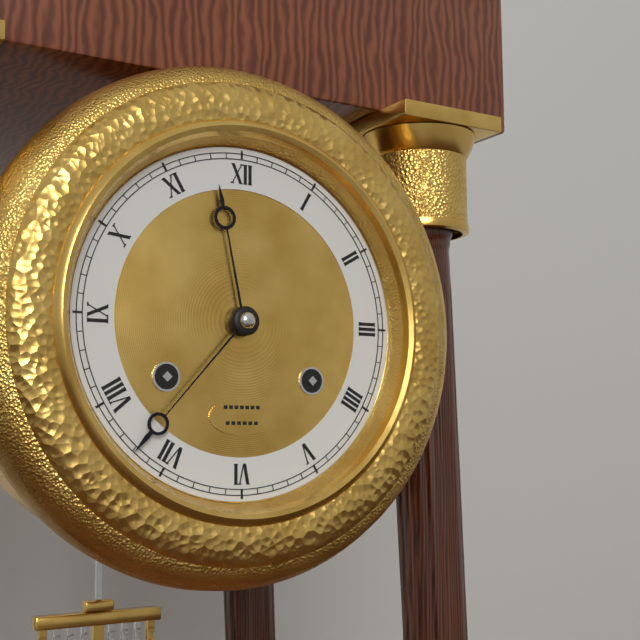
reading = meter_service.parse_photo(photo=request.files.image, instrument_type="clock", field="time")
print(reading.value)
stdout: 11:37
